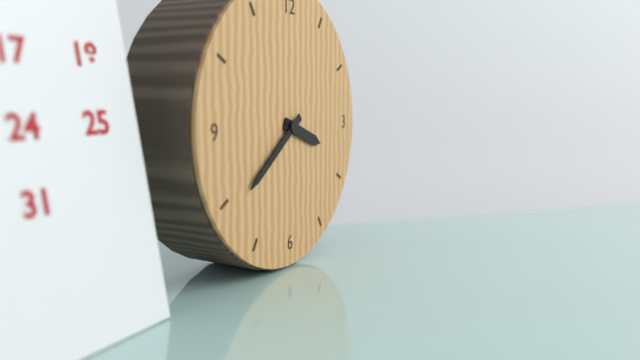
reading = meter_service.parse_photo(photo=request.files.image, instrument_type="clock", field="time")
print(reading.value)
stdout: 3:39
